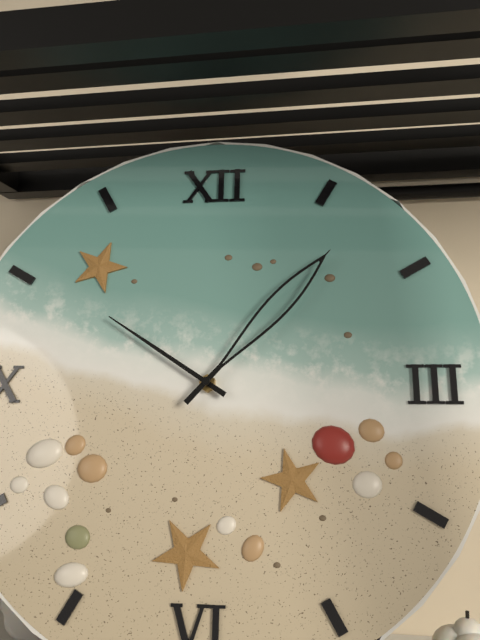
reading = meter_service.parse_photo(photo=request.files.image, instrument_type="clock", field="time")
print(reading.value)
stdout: 10:07
